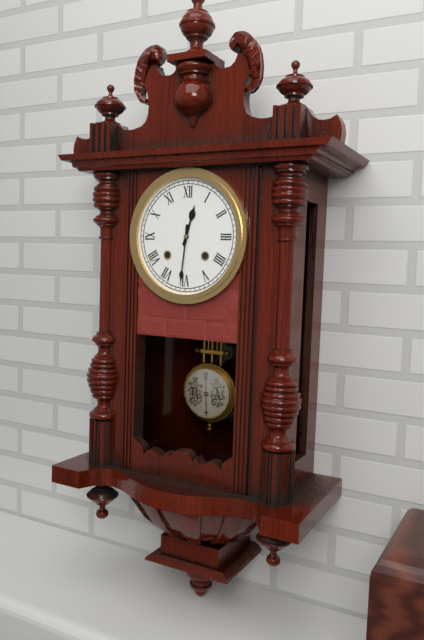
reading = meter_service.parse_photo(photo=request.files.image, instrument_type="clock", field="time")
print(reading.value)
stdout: 12:31
